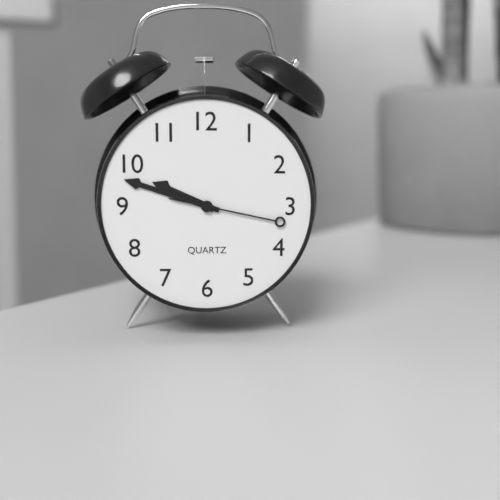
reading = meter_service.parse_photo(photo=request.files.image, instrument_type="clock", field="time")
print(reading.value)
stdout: 9:48:17
